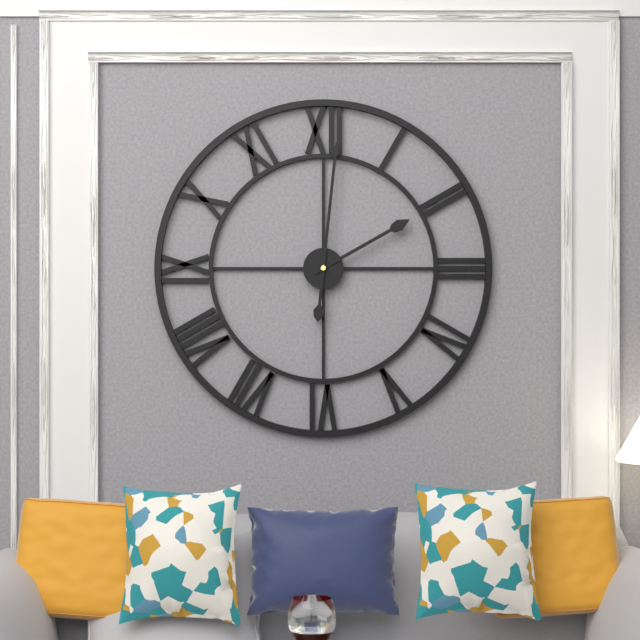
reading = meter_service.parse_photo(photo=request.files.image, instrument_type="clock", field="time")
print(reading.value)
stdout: 2:01
